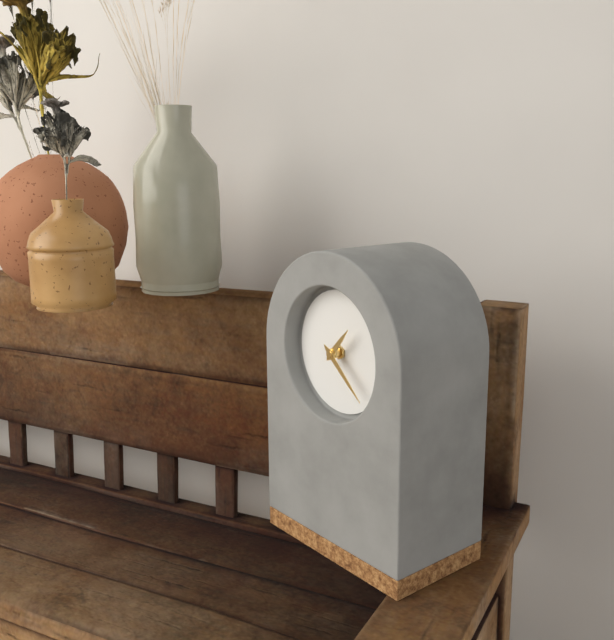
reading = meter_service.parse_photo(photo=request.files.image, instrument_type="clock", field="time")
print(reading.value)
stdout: 1:22
